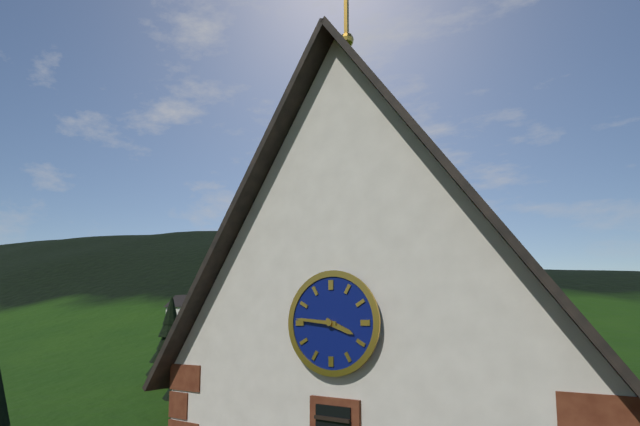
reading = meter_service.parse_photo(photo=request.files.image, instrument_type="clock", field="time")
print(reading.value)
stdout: 3:46
